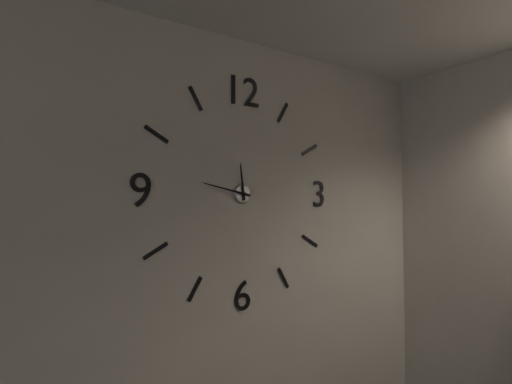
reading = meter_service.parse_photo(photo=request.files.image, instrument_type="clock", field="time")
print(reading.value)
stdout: 11:47
